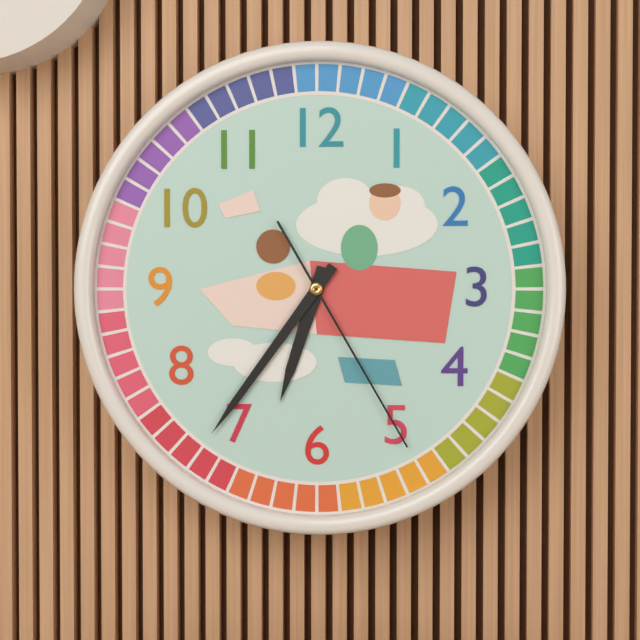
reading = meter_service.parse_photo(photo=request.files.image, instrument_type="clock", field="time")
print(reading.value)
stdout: 6:36:25
